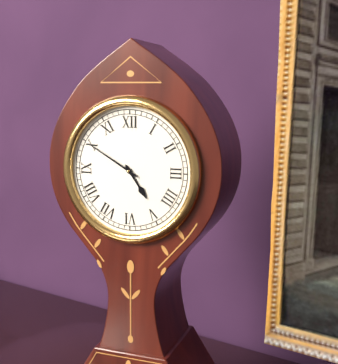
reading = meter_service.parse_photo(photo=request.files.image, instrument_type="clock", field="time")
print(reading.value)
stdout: 4:50
